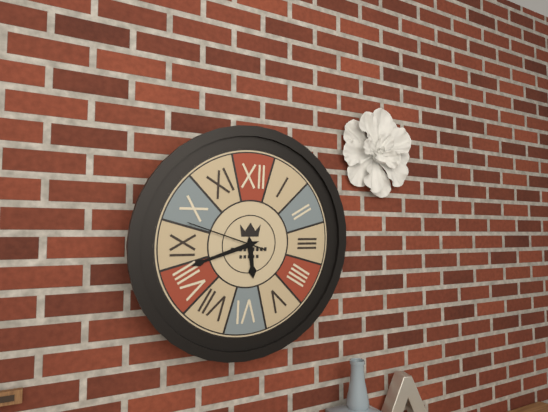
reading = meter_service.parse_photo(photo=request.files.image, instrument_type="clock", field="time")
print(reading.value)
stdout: 5:42:48
